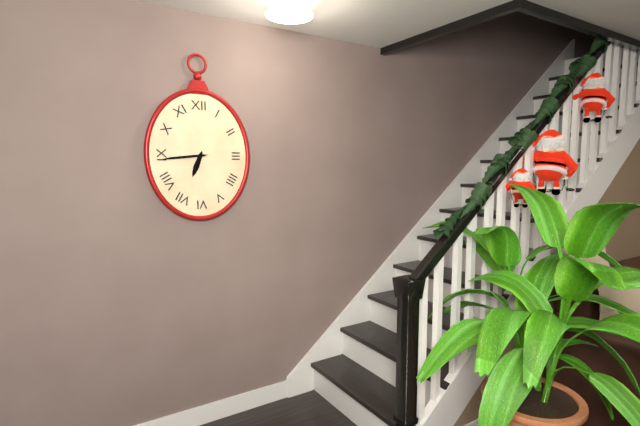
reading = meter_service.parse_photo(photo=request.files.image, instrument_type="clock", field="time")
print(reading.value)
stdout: 6:44
